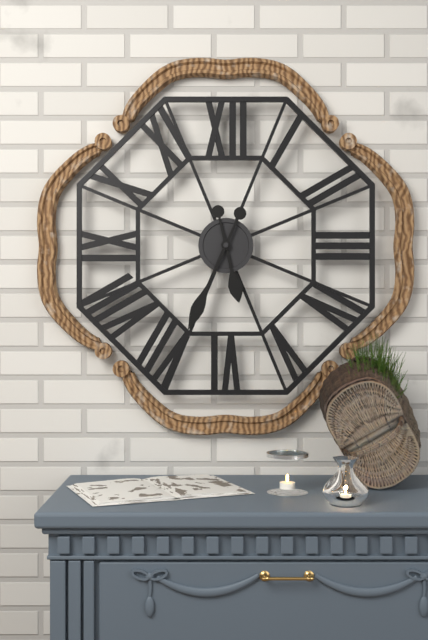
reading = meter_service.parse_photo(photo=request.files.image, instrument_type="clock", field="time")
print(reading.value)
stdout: 5:34
